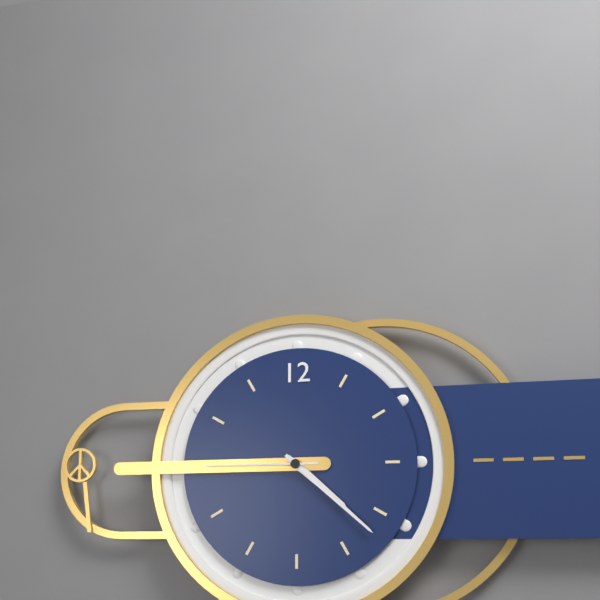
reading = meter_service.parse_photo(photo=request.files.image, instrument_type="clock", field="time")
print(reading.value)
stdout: 4:22:45
